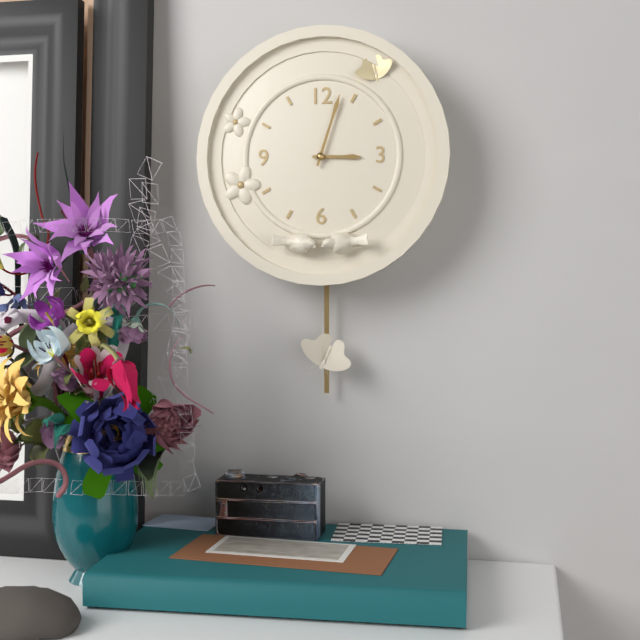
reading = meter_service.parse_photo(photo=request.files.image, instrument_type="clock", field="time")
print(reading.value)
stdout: 3:03
